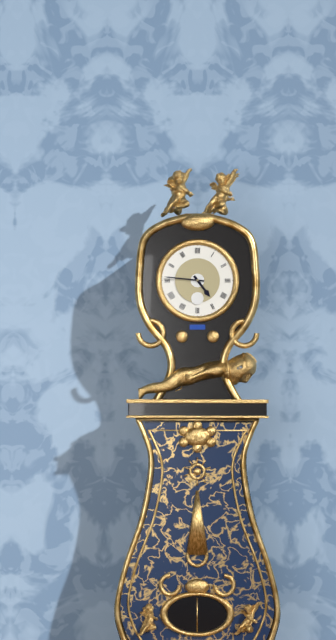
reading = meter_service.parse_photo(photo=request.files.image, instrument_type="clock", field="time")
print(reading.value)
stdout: 4:46
